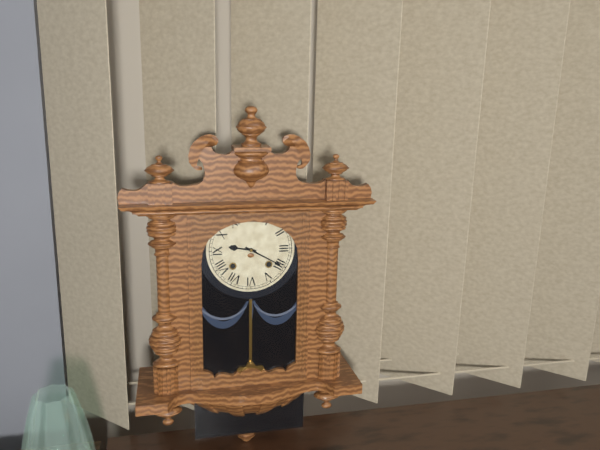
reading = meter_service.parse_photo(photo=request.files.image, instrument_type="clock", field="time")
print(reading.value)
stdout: 9:20
